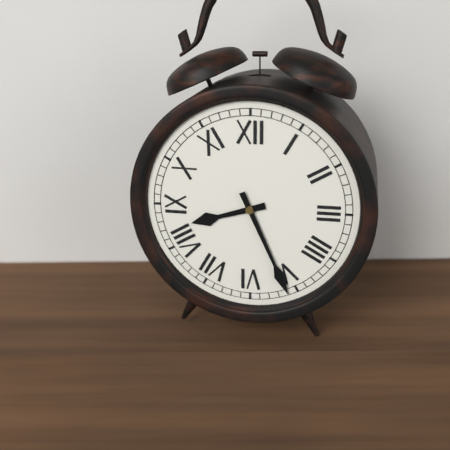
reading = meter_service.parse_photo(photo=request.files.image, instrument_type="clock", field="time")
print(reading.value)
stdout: 8:26
